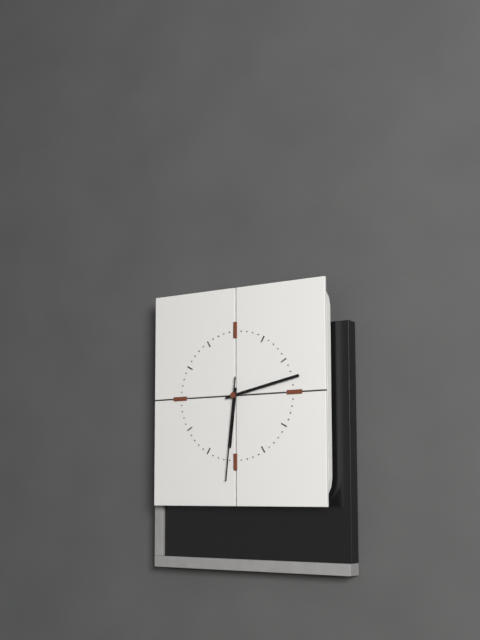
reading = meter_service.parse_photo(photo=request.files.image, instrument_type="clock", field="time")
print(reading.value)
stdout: 6:13:31
